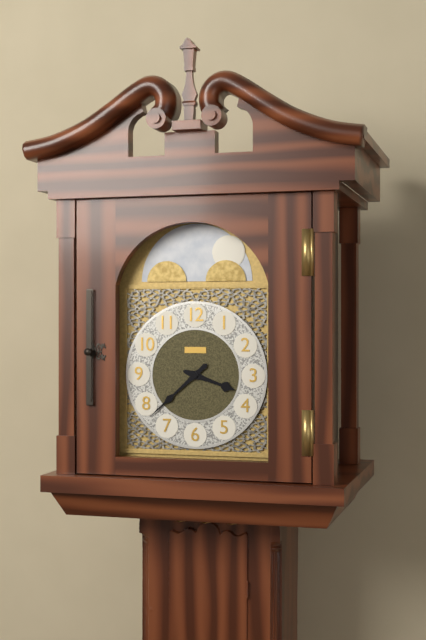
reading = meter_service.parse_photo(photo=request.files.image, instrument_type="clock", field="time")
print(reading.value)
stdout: 3:38
